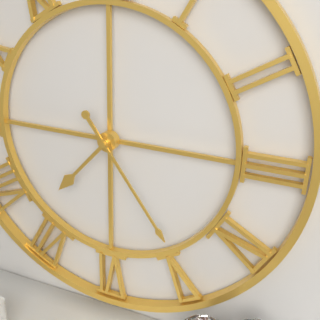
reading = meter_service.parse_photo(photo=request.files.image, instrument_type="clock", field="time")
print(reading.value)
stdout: 7:24
